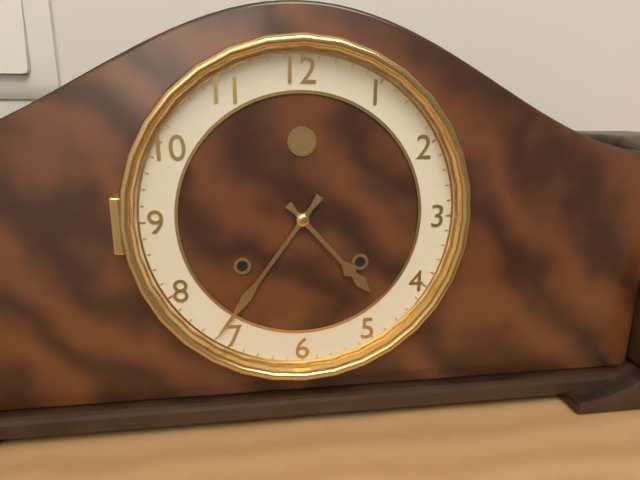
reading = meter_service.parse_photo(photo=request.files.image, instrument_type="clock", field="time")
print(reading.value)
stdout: 4:36
